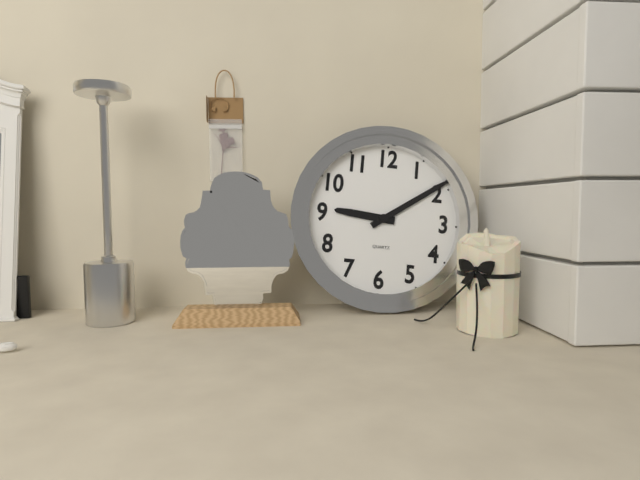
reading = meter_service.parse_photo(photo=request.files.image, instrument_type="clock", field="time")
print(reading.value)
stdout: 9:09
